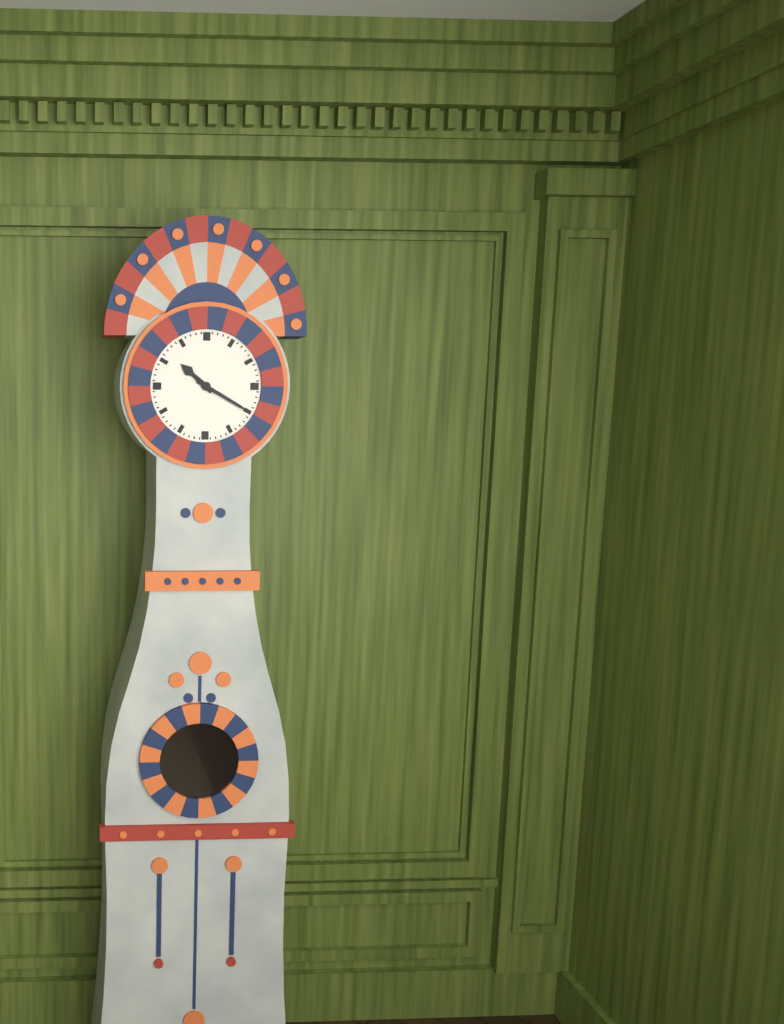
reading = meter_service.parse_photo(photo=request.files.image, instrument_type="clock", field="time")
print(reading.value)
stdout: 10:20
